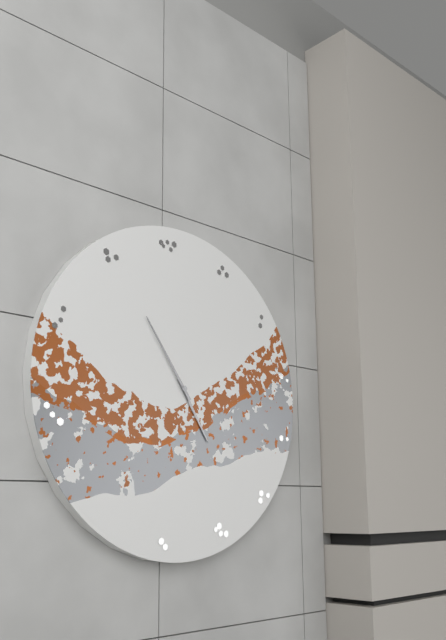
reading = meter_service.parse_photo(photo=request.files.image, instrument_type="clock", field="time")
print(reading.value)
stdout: 4:54
